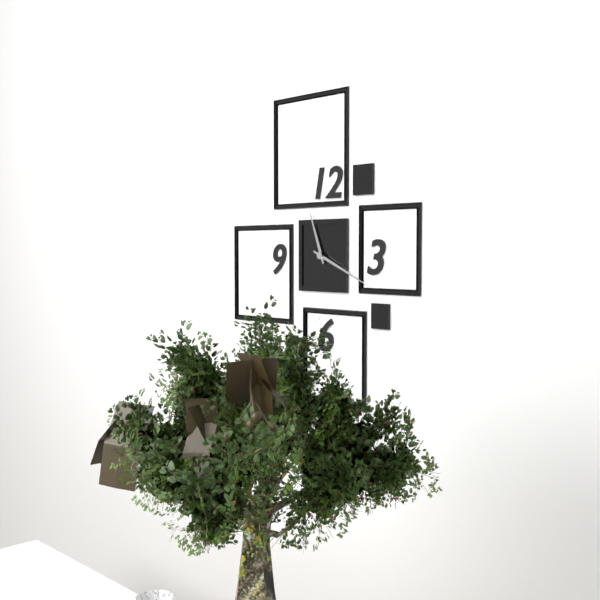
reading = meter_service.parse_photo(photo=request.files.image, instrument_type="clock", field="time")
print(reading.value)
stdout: 11:19
